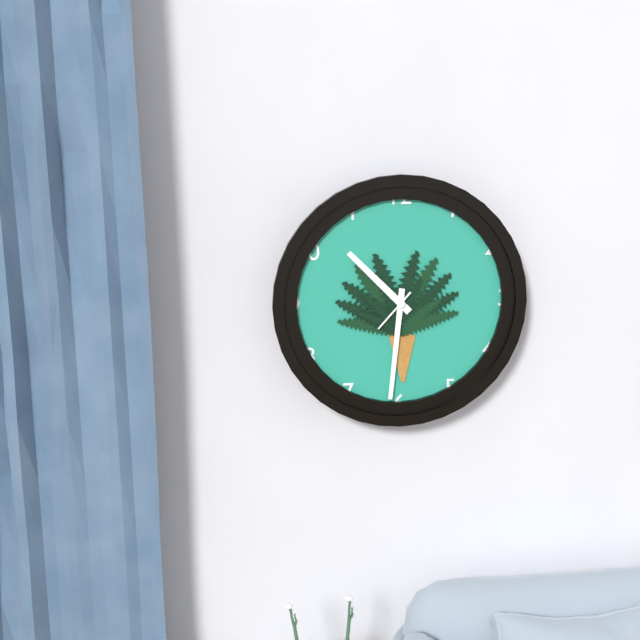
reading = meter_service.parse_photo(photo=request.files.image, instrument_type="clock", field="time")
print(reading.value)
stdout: 10:31
